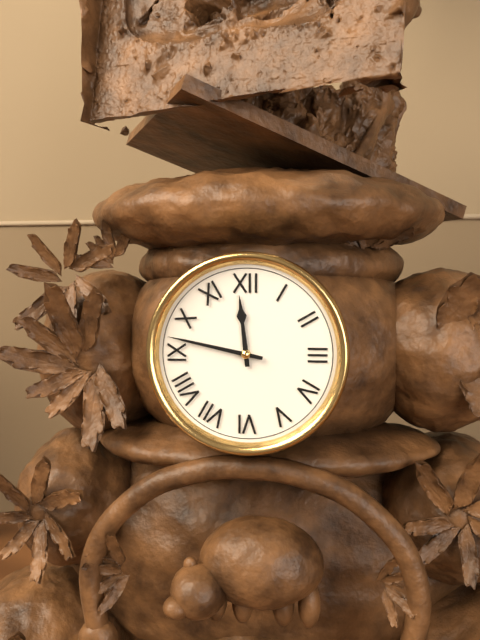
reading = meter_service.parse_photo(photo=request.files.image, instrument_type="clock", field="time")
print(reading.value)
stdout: 11:47
